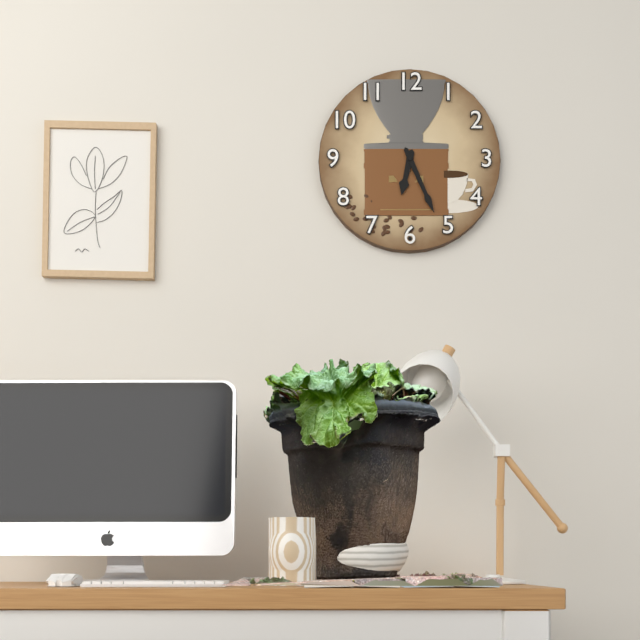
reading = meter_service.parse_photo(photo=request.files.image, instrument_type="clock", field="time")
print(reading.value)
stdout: 6:26
